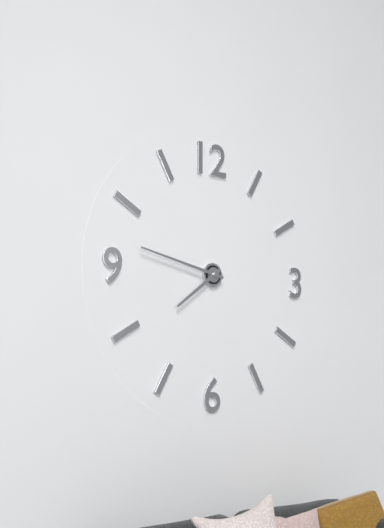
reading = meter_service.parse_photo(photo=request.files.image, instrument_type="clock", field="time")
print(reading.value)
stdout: 7:47
